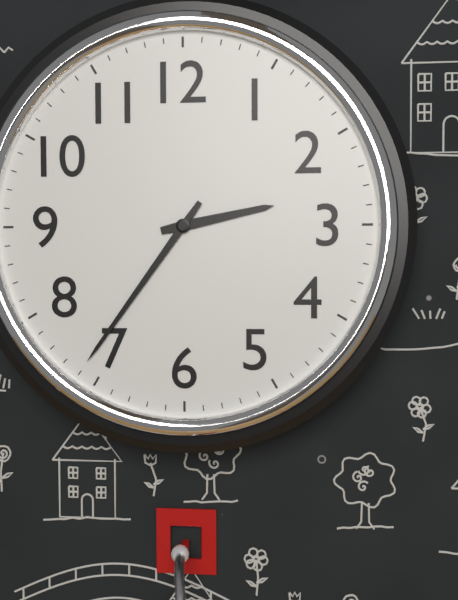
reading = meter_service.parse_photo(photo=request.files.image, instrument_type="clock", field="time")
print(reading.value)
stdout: 2:36
